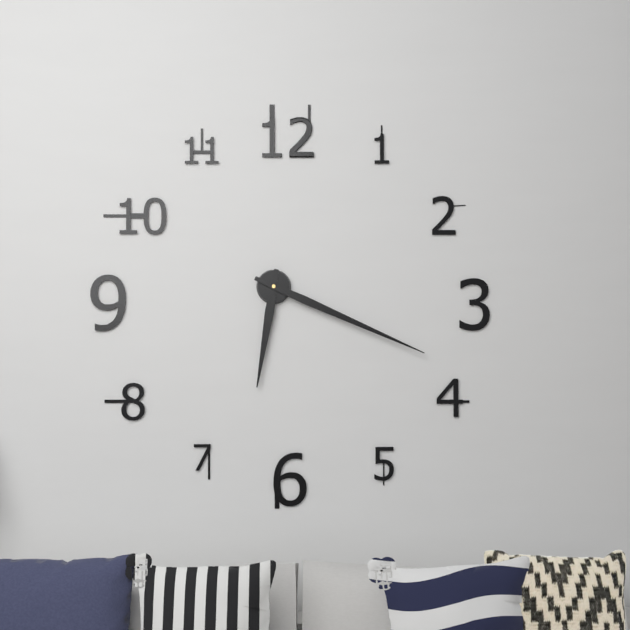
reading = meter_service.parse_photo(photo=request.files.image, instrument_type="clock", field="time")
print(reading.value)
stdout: 6:19
